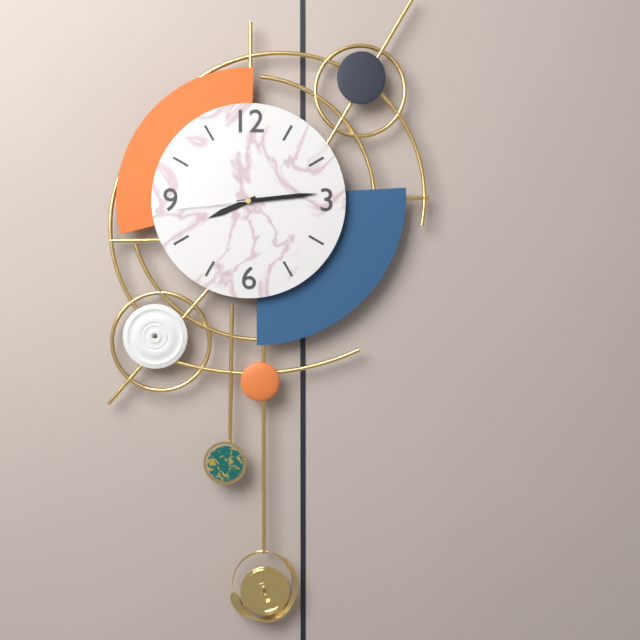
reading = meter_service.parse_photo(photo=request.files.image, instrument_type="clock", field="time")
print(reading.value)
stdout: 8:14:44
